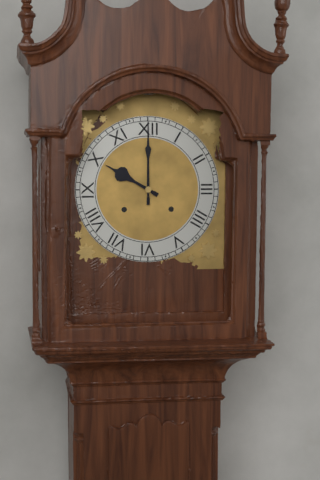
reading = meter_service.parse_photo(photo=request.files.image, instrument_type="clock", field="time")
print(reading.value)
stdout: 10:00
